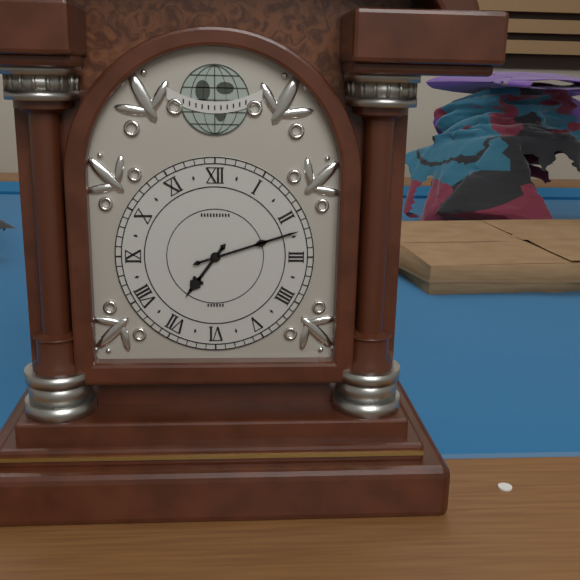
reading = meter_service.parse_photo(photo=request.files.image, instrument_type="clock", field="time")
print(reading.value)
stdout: 7:12
